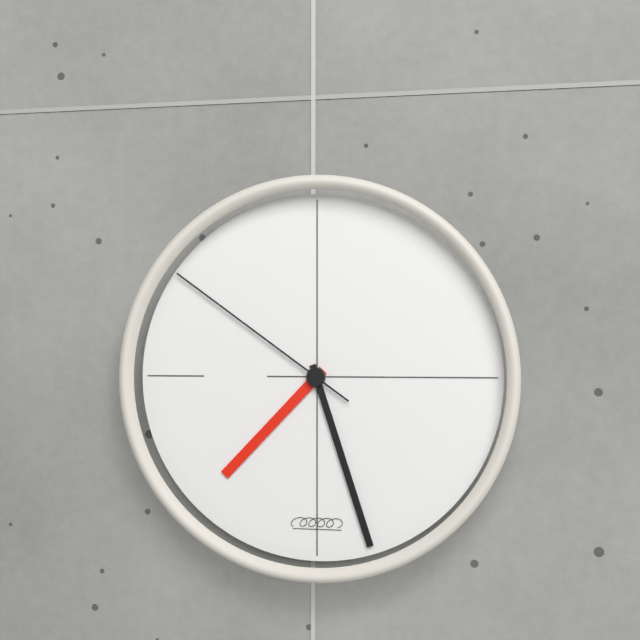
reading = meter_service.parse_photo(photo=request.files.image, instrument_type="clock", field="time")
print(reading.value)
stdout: 7:27:51
